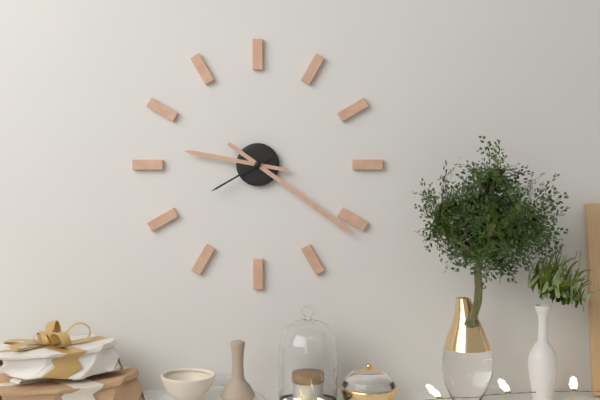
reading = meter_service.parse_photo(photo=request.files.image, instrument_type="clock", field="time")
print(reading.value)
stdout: 9:21:40
